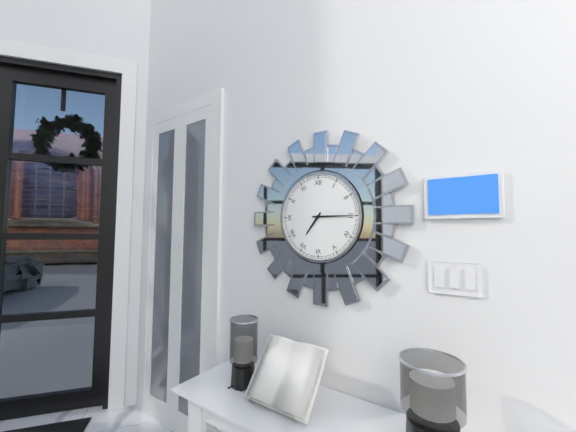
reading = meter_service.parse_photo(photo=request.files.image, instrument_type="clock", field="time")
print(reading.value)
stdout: 7:15
